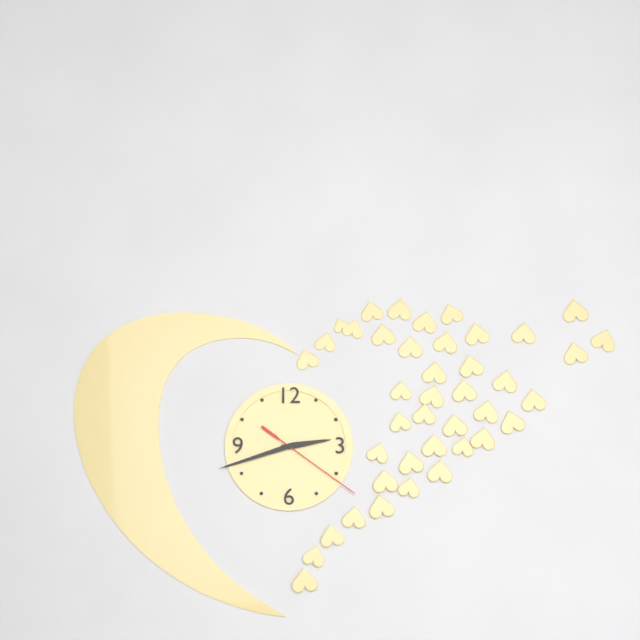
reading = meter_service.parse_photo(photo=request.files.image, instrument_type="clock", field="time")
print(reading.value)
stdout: 2:42:21
